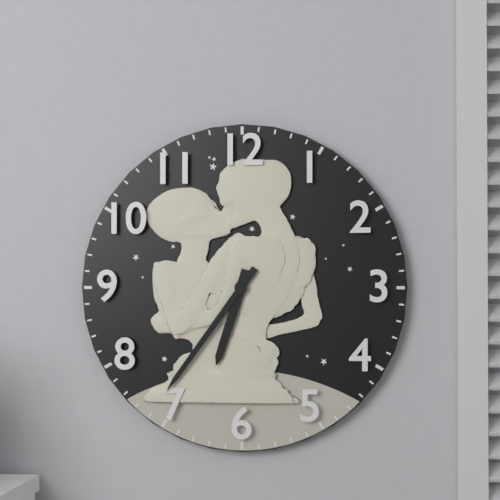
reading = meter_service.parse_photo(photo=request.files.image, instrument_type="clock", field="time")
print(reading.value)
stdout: 6:36
